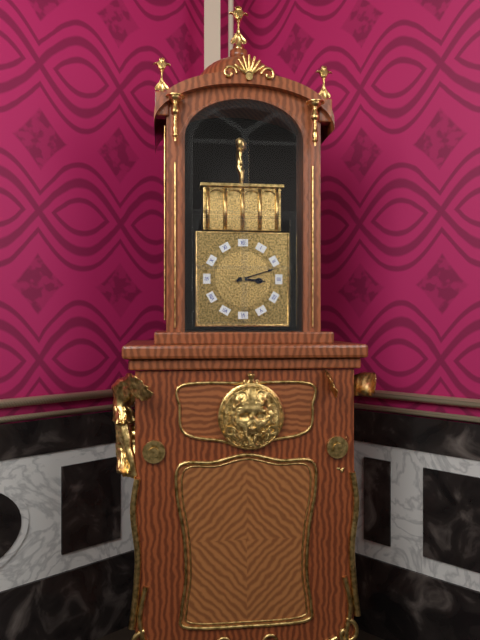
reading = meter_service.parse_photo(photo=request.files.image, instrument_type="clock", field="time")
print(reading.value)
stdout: 3:12
